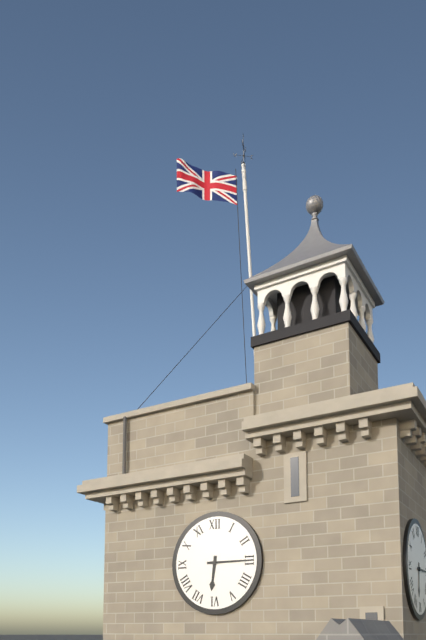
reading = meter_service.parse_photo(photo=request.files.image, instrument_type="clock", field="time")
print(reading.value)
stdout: 6:15
